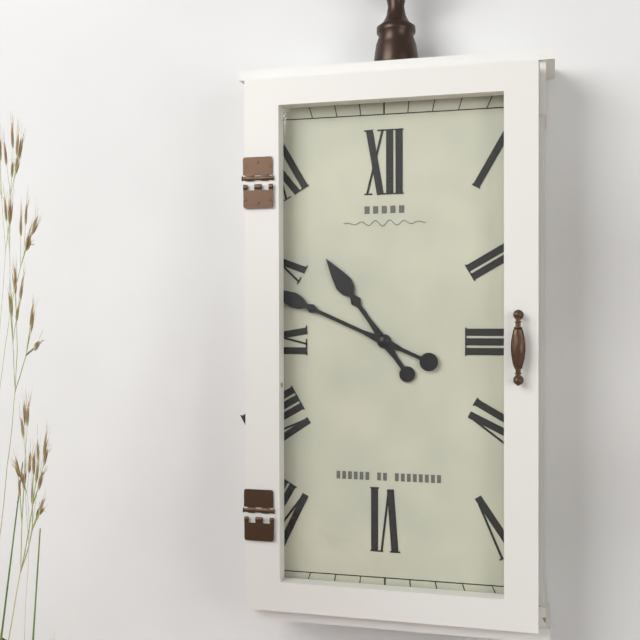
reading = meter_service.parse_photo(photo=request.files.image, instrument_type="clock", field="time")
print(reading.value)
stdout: 10:49
